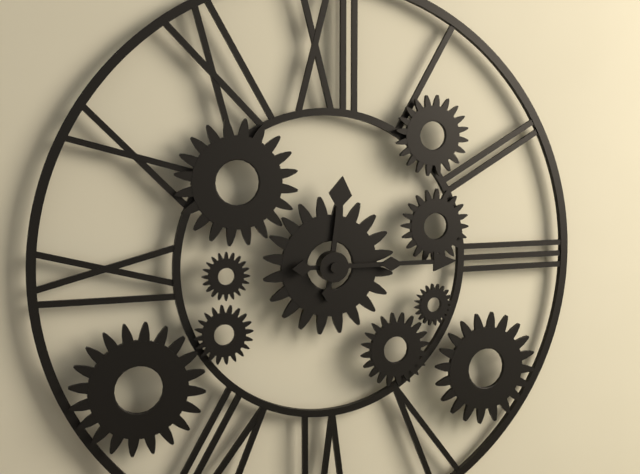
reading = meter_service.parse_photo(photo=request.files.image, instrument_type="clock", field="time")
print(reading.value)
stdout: 12:15
